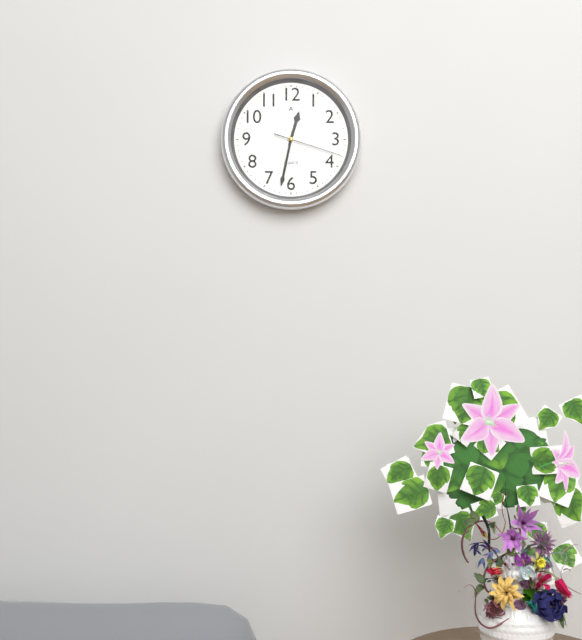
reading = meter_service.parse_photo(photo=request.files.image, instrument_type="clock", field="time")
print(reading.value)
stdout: 12:32:18
